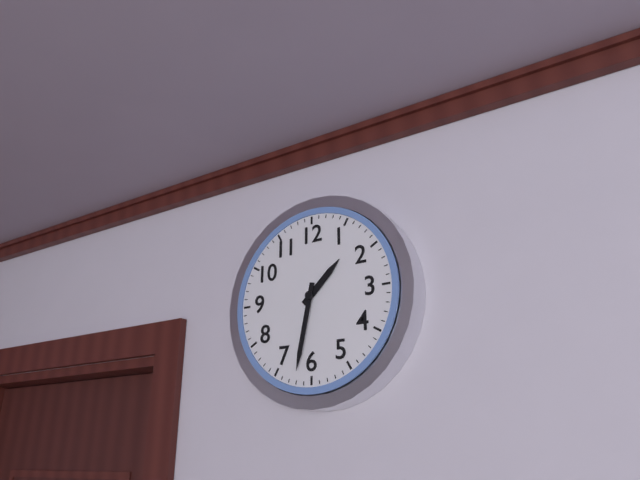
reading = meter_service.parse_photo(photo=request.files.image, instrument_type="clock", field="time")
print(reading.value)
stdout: 1:32
